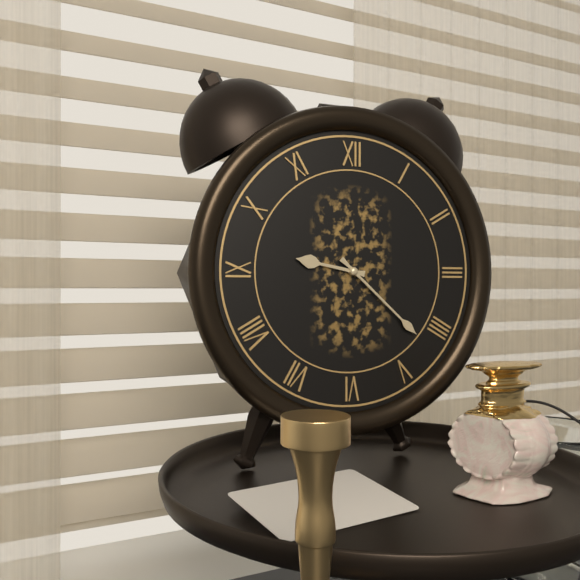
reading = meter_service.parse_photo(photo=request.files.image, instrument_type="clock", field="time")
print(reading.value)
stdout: 9:22
